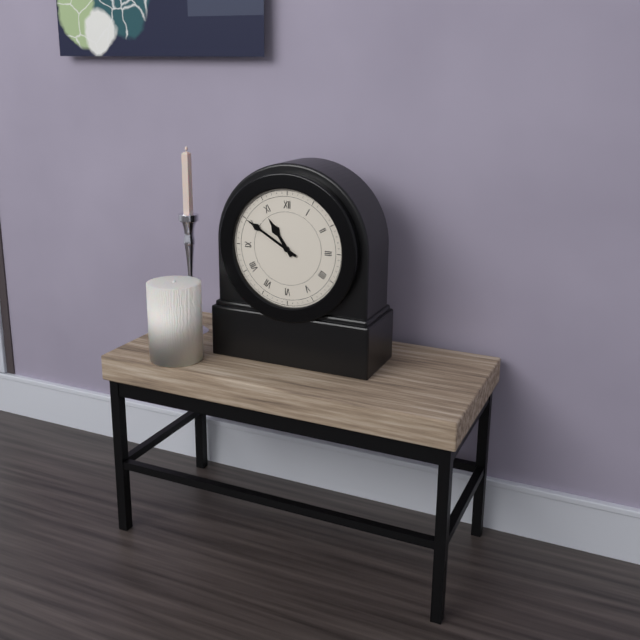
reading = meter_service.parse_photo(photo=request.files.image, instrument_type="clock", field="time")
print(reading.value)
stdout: 10:50
